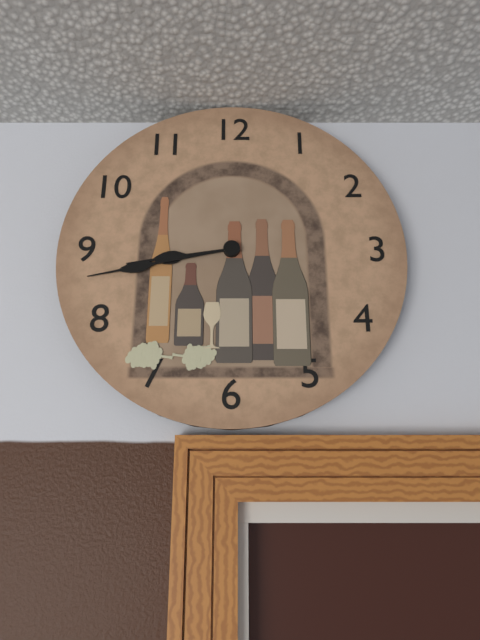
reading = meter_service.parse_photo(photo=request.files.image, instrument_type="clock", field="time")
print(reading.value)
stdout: 8:43
